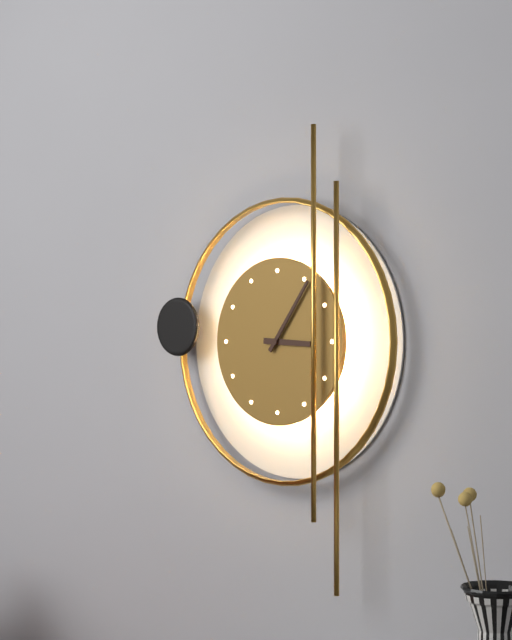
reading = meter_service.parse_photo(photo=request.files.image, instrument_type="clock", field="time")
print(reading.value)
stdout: 3:06
